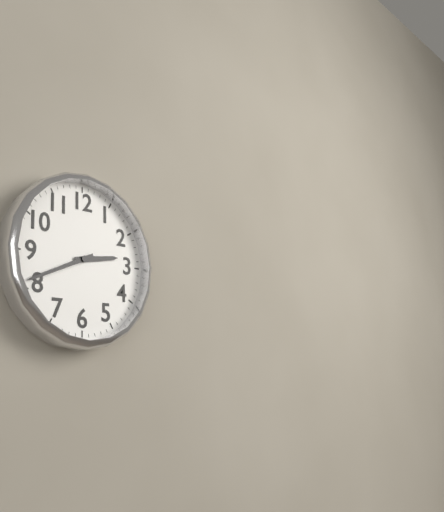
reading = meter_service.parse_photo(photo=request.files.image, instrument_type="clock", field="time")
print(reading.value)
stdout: 2:41
